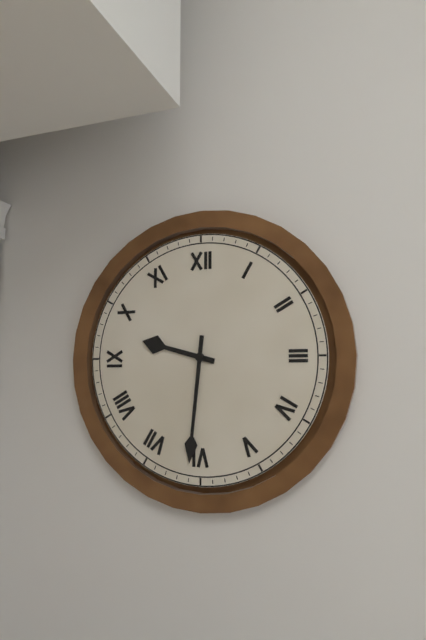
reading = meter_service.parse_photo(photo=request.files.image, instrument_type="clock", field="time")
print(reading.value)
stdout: 9:31
